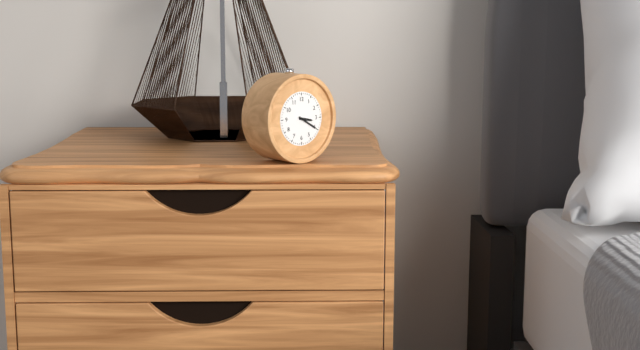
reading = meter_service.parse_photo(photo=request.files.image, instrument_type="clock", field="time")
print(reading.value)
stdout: 3:20
